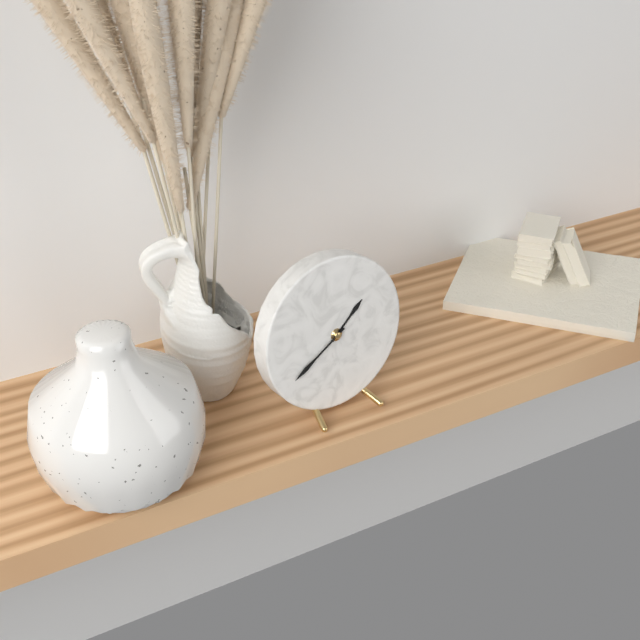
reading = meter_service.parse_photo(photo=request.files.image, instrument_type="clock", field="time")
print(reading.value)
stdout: 1:40
